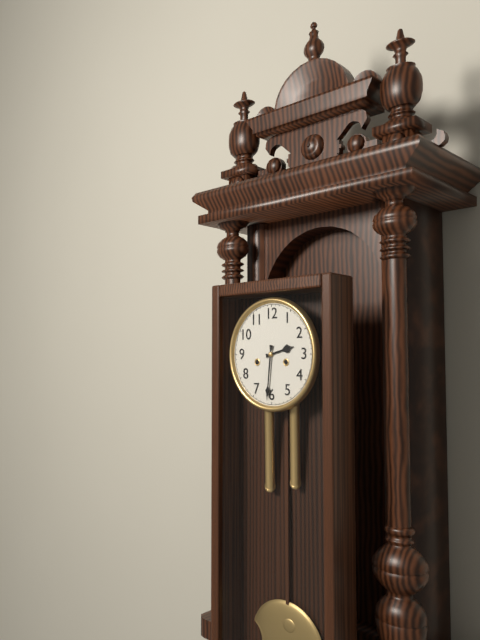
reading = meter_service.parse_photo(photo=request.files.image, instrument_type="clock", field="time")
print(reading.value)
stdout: 2:31
